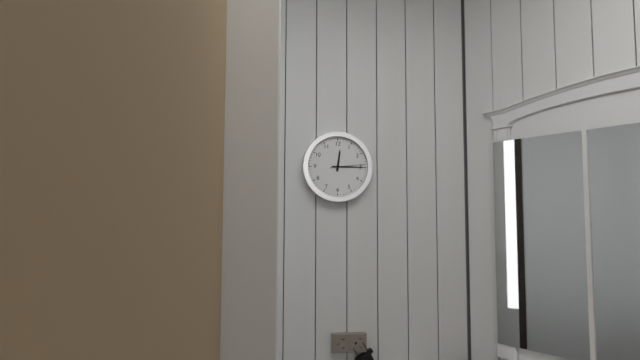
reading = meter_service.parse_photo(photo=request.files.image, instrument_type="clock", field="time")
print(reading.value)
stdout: 12:15
